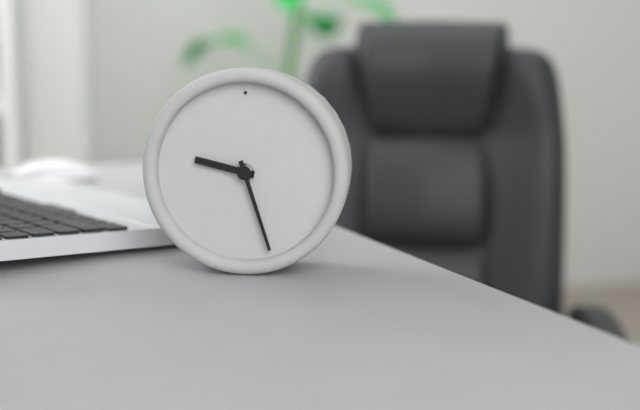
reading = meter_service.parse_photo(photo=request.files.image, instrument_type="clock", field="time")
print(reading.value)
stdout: 9:27
